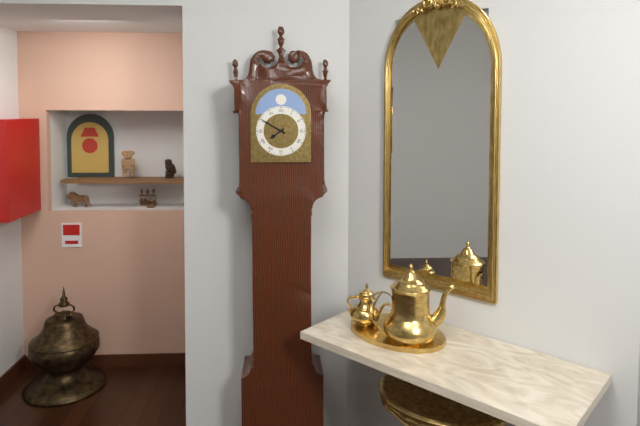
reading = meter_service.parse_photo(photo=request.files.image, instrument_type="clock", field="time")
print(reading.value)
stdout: 7:50
